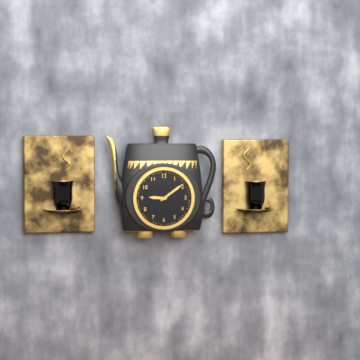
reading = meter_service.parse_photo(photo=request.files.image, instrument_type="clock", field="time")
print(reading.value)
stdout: 9:09
